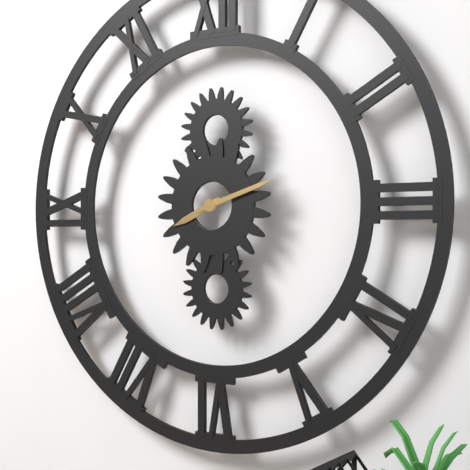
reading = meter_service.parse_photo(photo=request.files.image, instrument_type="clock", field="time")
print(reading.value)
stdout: 8:12
